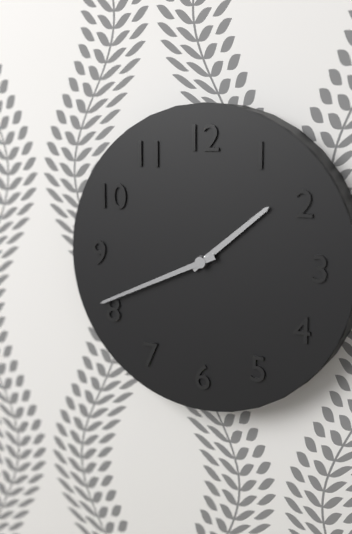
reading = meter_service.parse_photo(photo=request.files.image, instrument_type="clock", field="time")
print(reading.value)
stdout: 1:41
